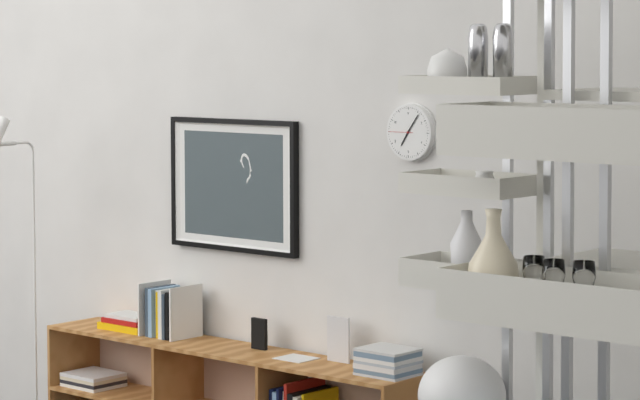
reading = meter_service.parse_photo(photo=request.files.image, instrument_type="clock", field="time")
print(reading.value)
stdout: 7:06
